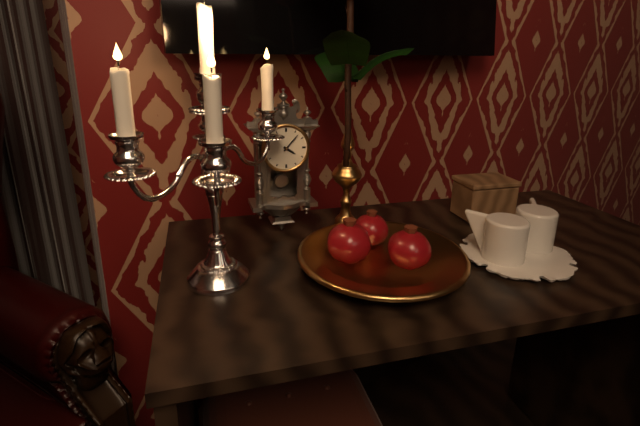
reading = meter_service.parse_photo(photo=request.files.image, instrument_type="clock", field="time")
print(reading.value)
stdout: 4:07
